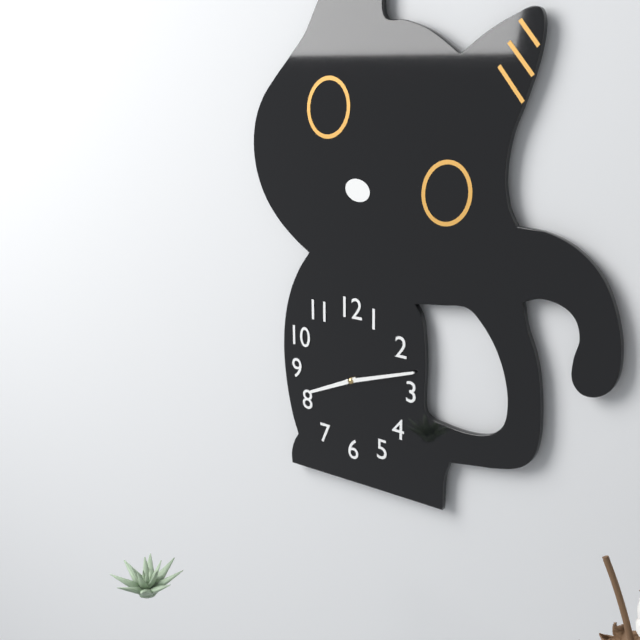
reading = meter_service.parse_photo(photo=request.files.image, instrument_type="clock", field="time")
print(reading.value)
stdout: 8:12
